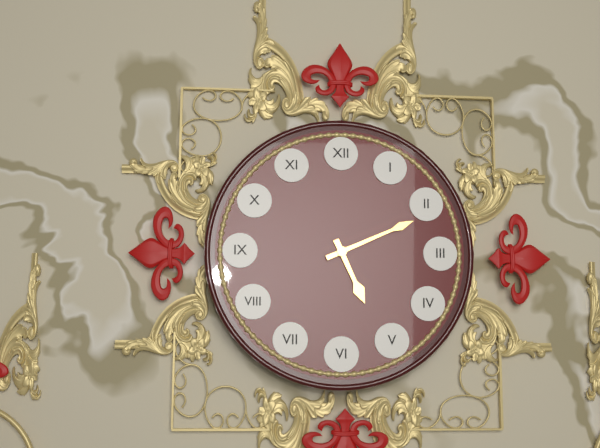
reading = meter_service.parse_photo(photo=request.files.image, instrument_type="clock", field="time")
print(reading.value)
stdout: 5:11
